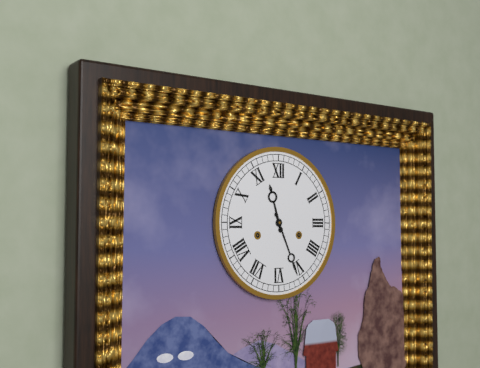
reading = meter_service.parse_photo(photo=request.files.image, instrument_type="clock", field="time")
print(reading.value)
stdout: 11:26
